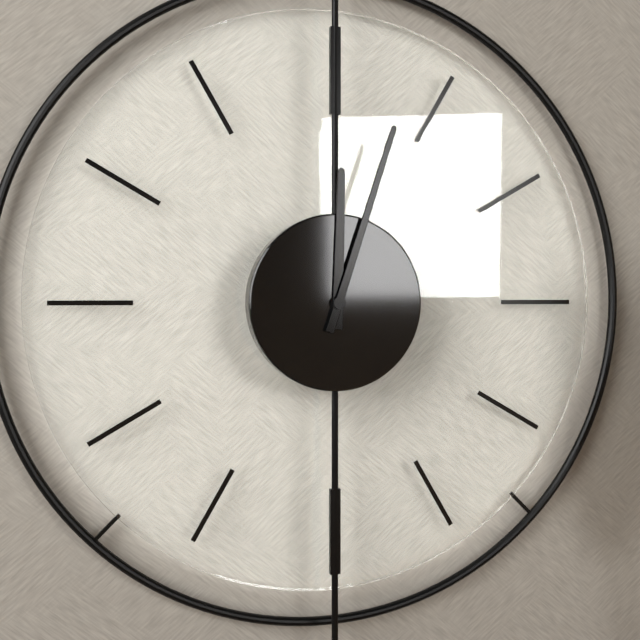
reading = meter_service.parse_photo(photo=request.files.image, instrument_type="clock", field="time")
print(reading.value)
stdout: 12:03
